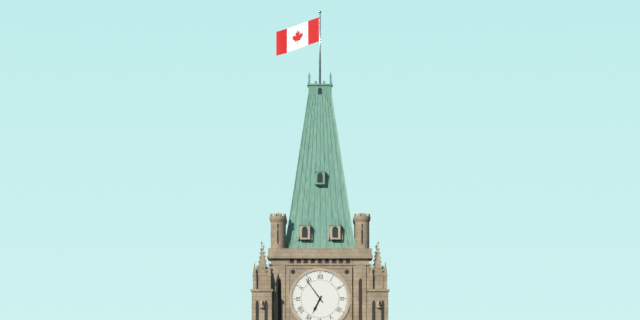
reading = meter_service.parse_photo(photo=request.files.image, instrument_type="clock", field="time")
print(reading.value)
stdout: 6:54
